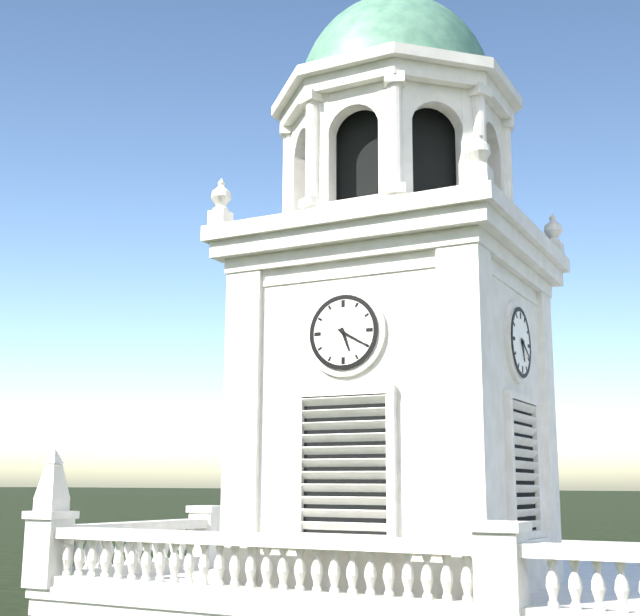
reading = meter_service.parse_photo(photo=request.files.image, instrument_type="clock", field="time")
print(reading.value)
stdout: 5:20
